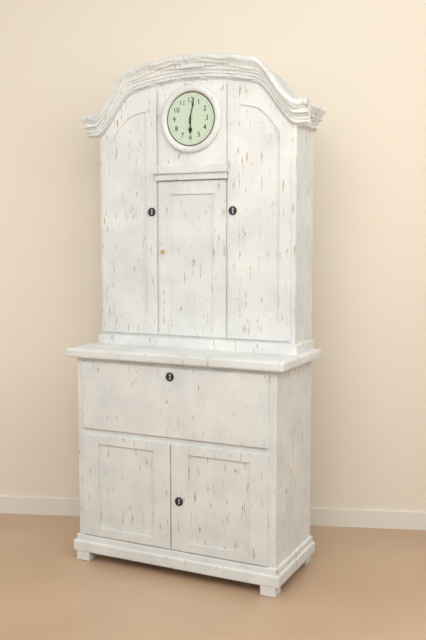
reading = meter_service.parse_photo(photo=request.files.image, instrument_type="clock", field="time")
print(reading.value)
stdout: 6:02
